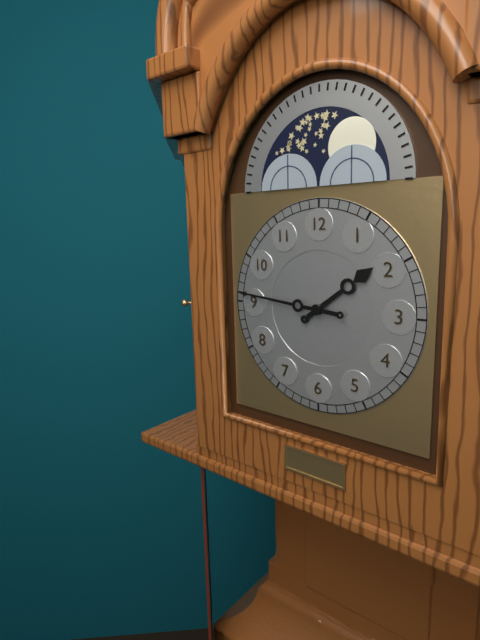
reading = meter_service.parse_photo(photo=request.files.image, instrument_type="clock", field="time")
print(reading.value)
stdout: 1:46
